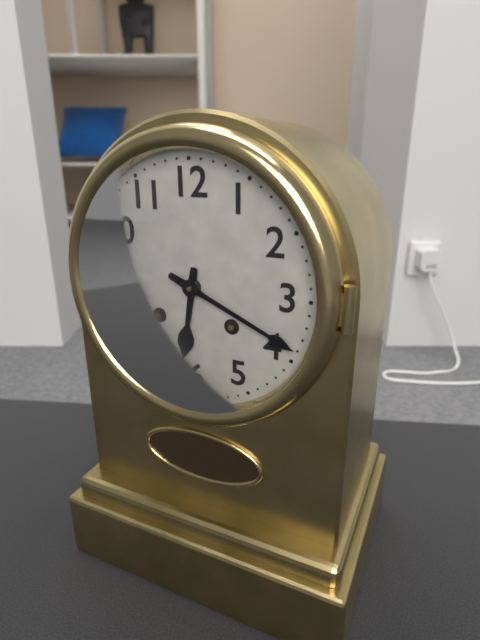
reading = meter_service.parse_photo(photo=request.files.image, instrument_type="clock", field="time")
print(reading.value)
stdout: 6:19
